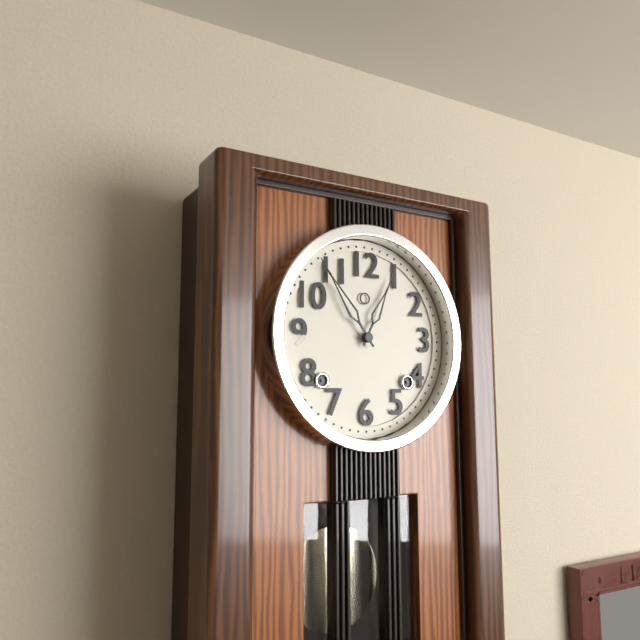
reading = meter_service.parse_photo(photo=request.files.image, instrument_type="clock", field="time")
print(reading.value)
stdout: 12:54
